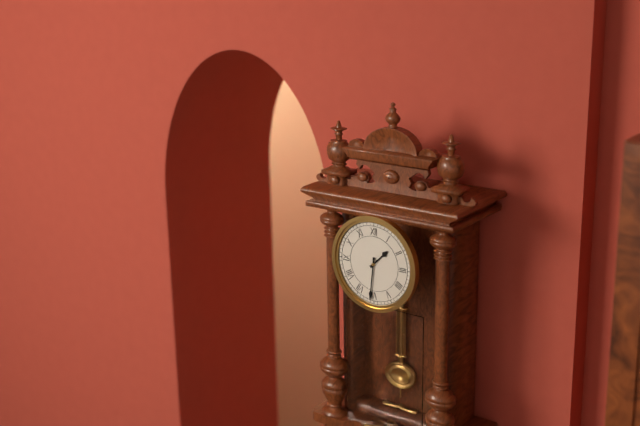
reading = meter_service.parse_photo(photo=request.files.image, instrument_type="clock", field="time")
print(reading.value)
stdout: 1:31
